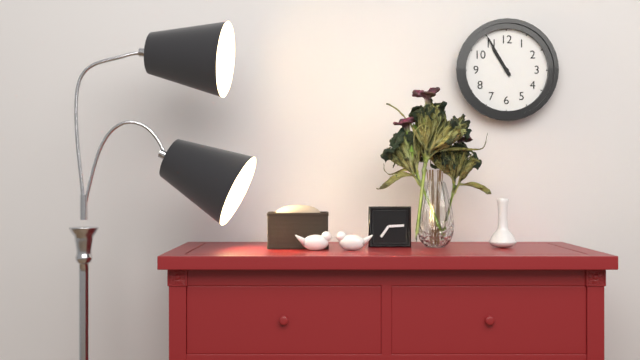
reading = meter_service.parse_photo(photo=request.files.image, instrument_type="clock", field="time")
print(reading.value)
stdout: 10:55
